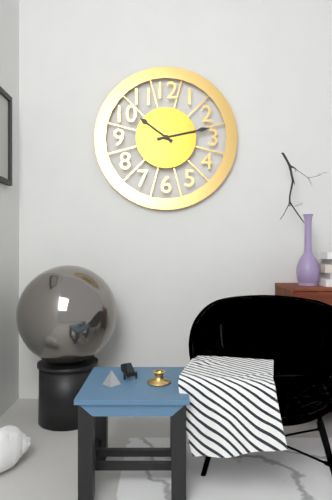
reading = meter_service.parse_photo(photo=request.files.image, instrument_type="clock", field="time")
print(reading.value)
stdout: 10:13
